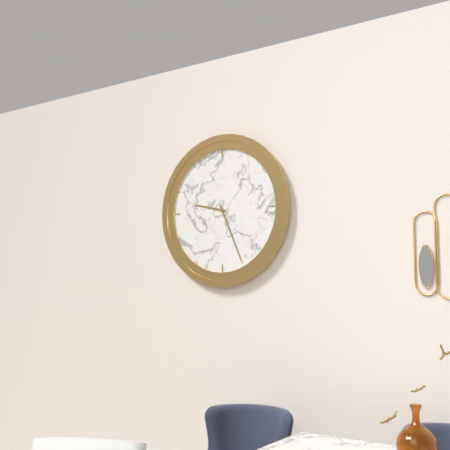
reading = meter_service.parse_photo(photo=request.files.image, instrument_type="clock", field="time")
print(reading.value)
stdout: 9:26
